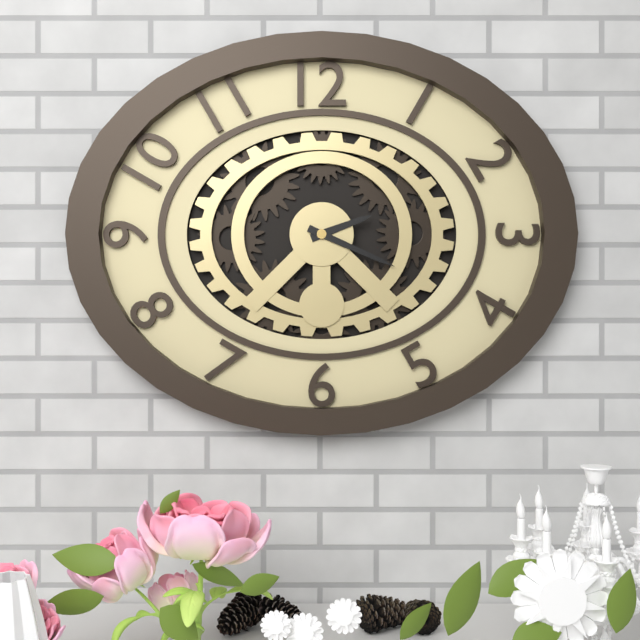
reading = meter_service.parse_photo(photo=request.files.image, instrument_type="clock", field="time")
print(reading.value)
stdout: 2:19
